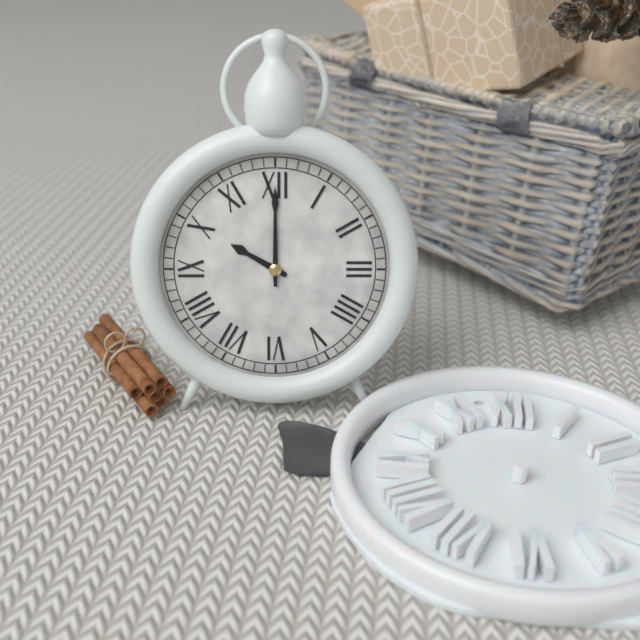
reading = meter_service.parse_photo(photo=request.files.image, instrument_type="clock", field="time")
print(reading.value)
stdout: 10:00
